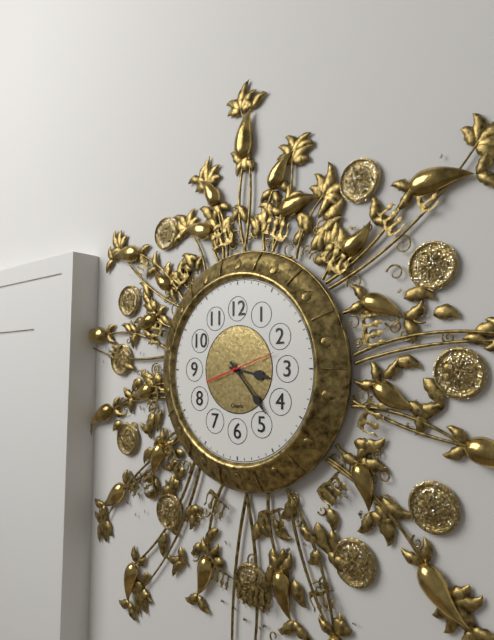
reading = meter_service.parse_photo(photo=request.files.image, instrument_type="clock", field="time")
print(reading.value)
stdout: 3:23
